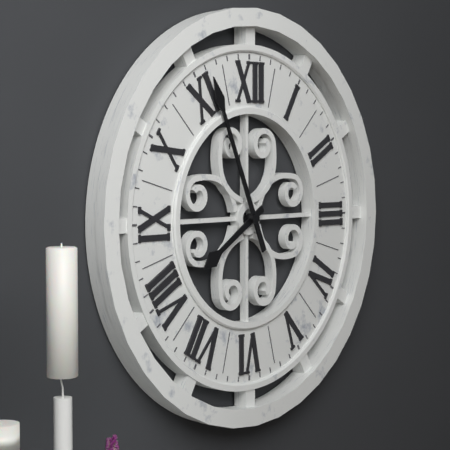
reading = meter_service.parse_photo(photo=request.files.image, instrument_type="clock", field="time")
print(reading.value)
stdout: 7:56
